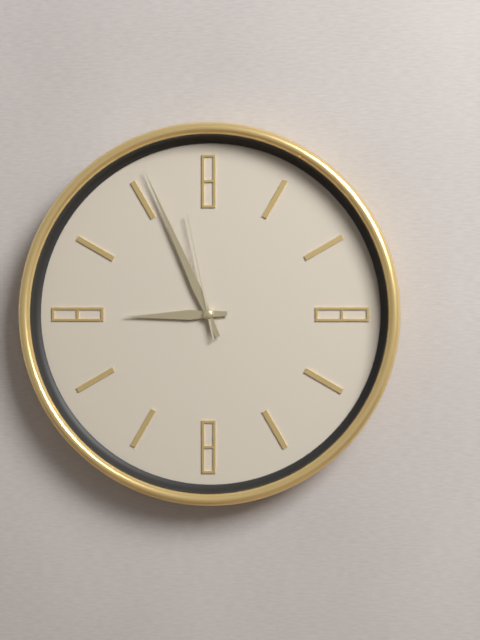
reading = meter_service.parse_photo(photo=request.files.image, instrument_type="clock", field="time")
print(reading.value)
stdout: 8:56:58
